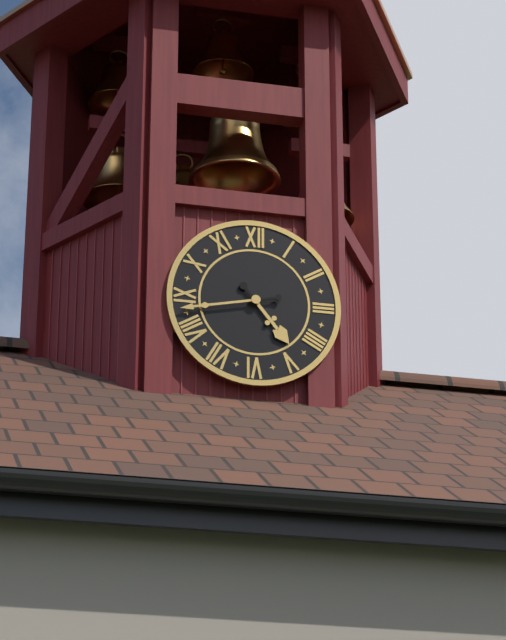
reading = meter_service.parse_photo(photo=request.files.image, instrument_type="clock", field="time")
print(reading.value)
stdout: 4:43
